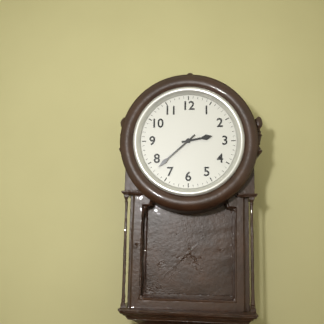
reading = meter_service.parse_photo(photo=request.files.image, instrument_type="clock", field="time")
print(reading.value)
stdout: 2:38
